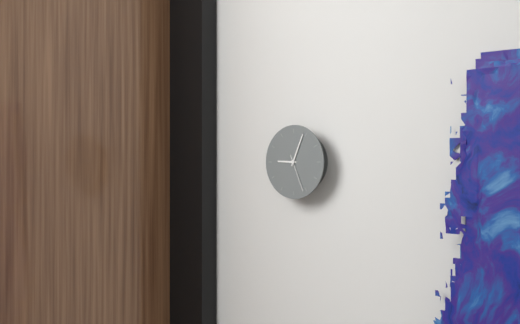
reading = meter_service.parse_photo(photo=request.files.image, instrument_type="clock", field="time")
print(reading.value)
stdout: 9:04
